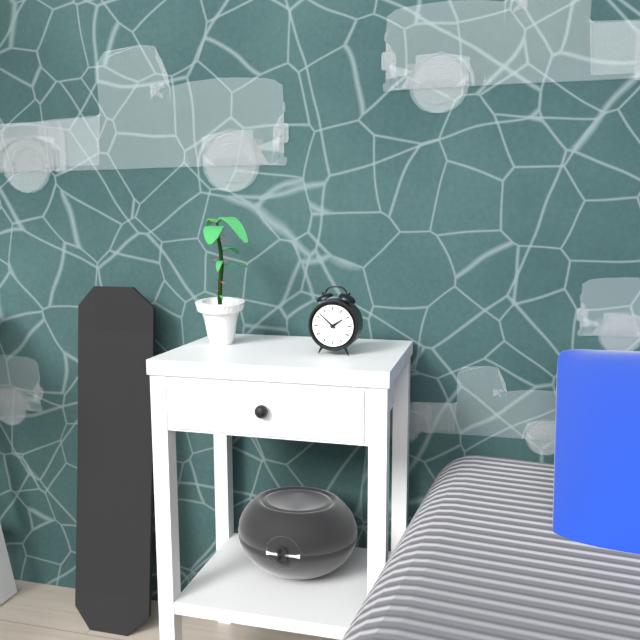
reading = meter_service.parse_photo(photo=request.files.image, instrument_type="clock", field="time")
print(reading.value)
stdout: 1:52
